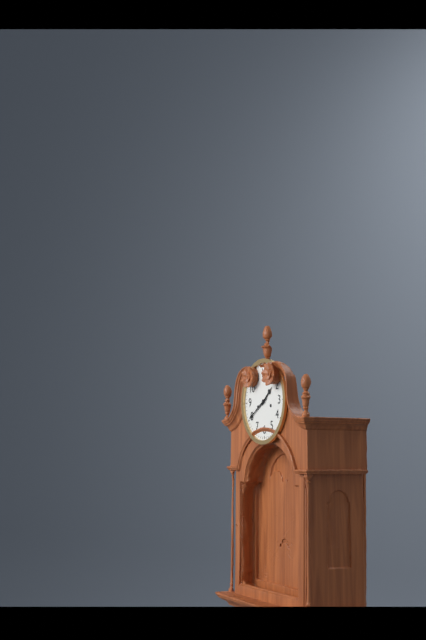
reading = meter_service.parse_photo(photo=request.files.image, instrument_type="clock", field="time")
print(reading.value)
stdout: 1:40
